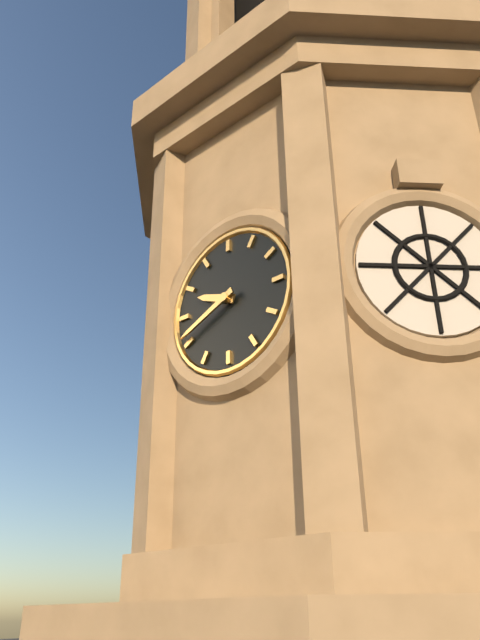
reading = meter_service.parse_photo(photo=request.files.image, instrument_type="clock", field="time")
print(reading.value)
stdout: 9:41
